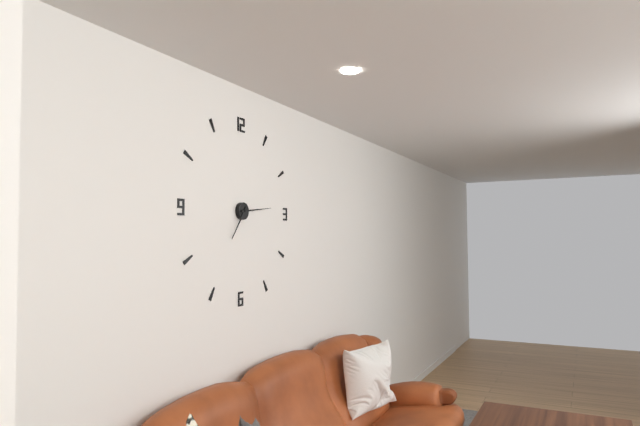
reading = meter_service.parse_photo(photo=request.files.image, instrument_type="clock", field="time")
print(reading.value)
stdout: 7:14
